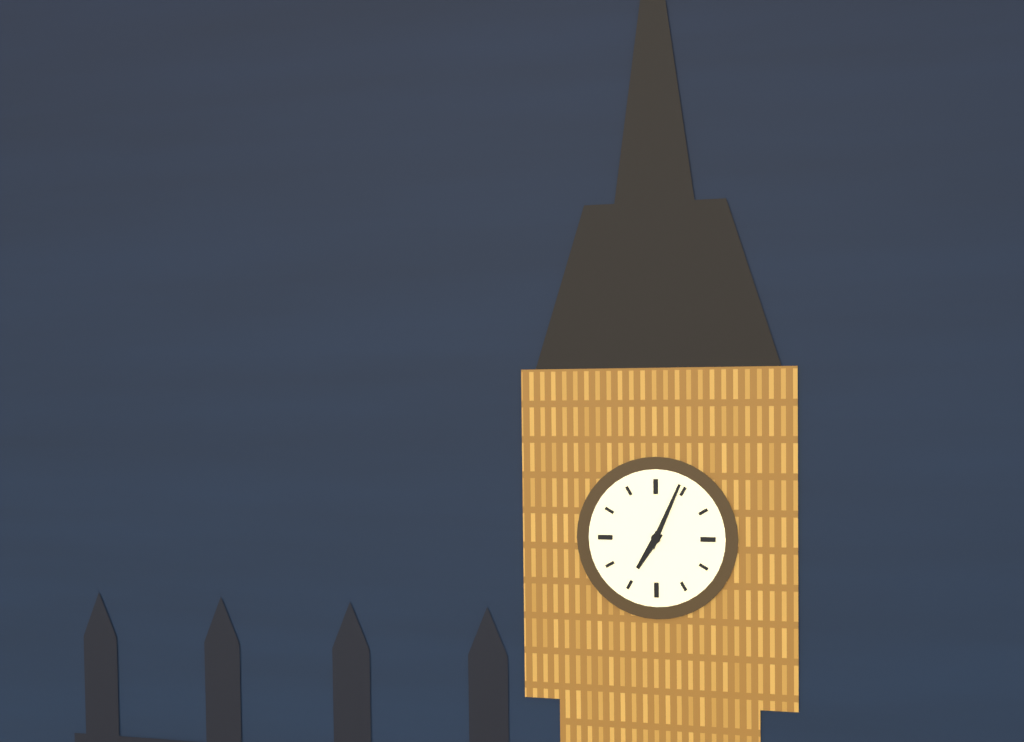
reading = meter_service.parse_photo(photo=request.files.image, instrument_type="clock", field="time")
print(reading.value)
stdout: 7:04
